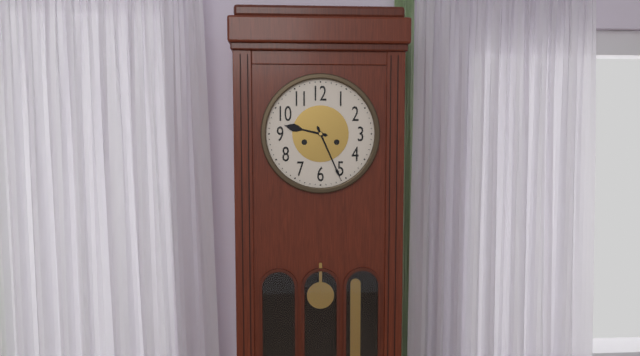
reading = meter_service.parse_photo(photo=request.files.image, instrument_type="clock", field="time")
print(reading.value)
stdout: 9:26
